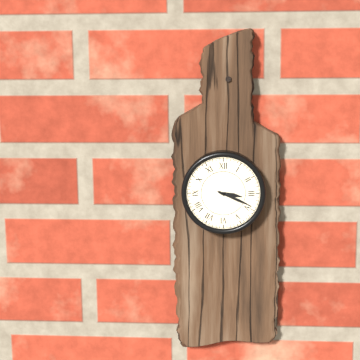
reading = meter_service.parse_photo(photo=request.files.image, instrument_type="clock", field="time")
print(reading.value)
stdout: 3:19
